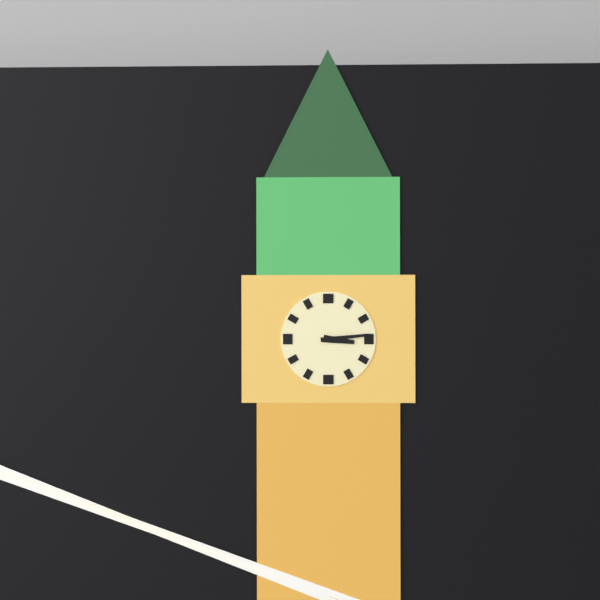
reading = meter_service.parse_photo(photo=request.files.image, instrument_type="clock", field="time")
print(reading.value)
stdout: 3:14
